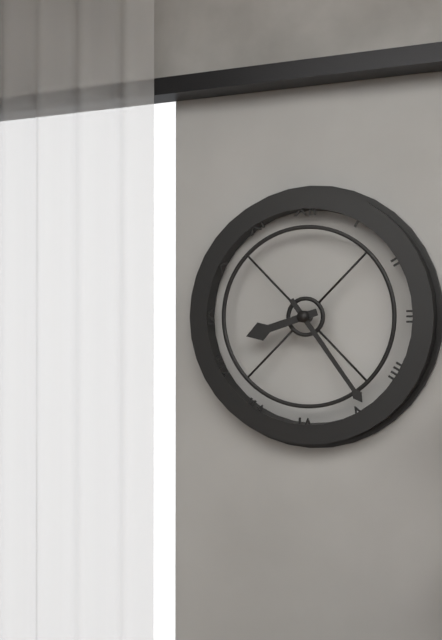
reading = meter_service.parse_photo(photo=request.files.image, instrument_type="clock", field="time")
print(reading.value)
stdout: 8:24
